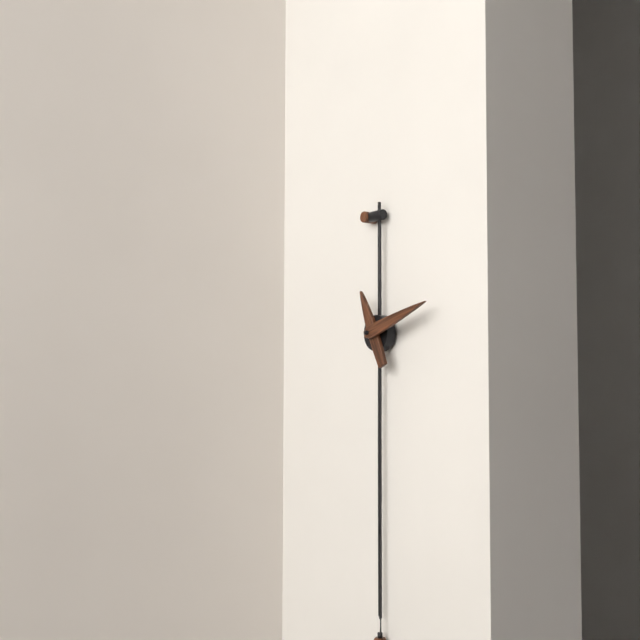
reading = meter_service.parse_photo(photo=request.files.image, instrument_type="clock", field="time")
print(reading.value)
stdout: 11:12
